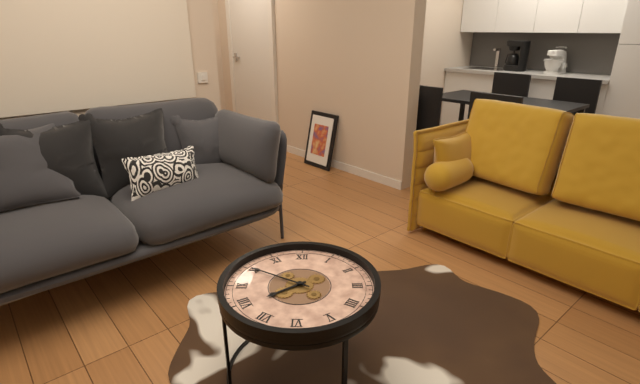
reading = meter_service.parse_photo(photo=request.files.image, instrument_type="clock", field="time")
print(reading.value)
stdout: 7:50
